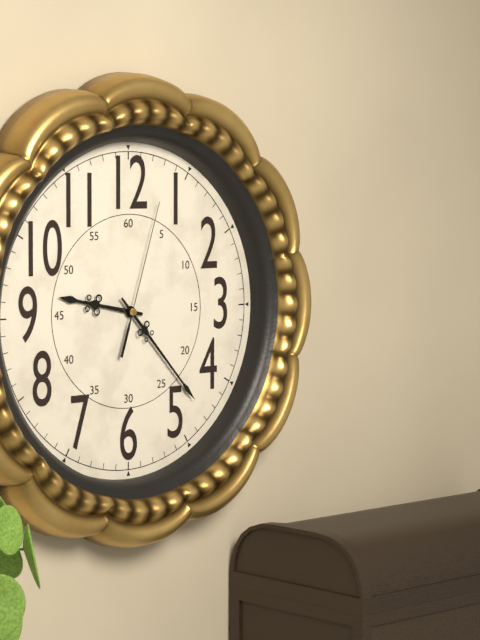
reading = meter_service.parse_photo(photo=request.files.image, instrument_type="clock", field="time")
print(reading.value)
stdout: 9:23:03
